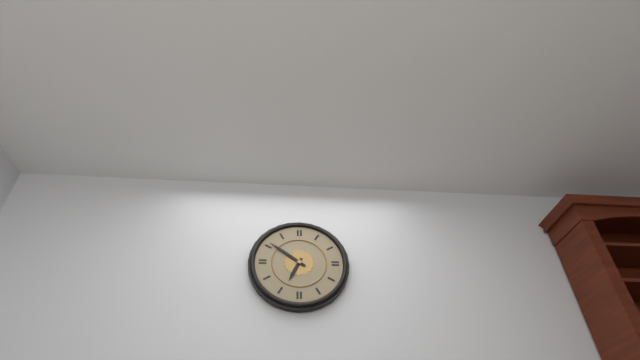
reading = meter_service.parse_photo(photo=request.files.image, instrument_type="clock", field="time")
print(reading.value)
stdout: 6:51
